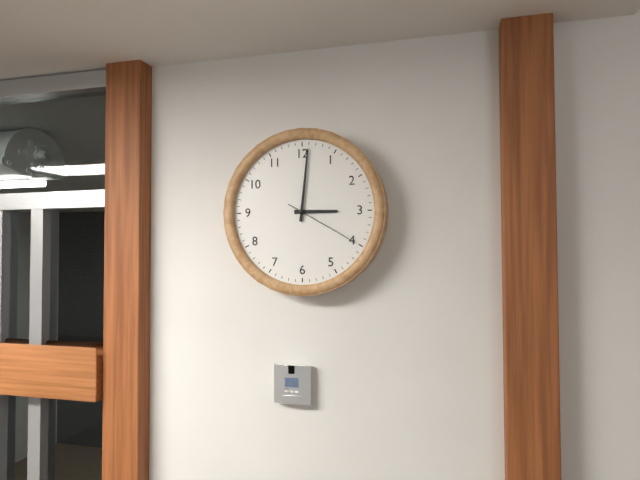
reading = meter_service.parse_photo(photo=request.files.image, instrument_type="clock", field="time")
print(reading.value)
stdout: 3:01:20
